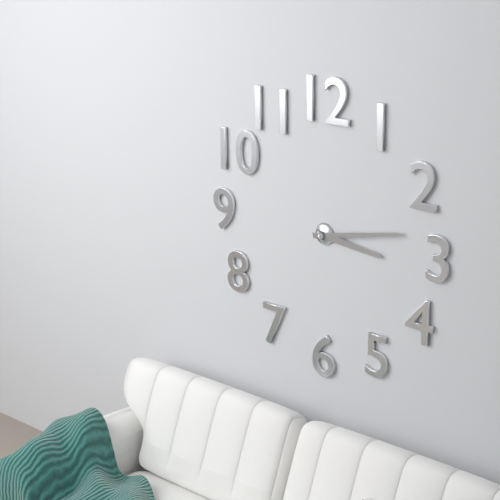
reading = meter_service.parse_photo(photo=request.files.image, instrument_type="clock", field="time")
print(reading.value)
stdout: 3:13
